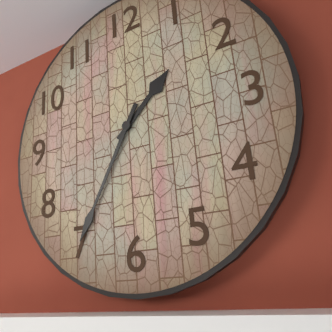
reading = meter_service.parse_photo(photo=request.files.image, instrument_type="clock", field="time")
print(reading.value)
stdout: 1:35
